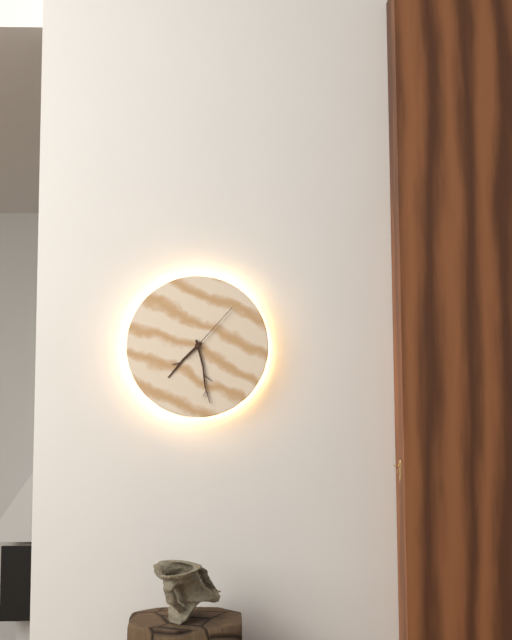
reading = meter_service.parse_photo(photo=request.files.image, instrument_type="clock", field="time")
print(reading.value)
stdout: 7:28:07
